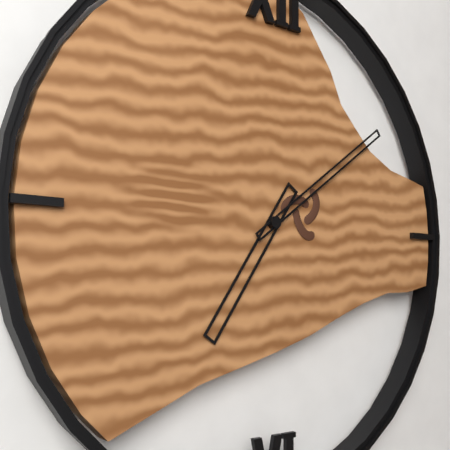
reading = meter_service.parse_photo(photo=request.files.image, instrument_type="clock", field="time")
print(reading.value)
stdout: 7:09
